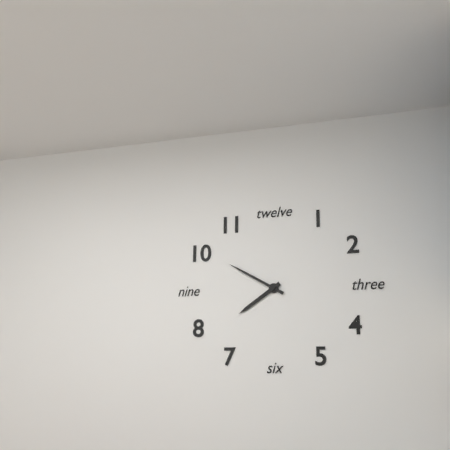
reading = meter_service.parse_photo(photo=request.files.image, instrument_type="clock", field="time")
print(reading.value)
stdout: 7:50
